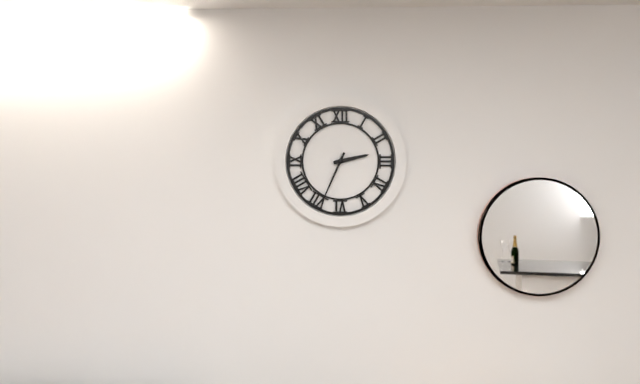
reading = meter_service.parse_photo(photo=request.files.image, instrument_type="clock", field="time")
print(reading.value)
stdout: 2:34
